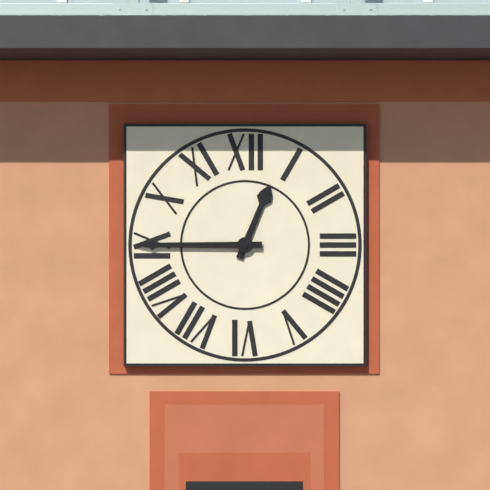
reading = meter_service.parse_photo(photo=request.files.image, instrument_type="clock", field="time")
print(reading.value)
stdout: 12:45
